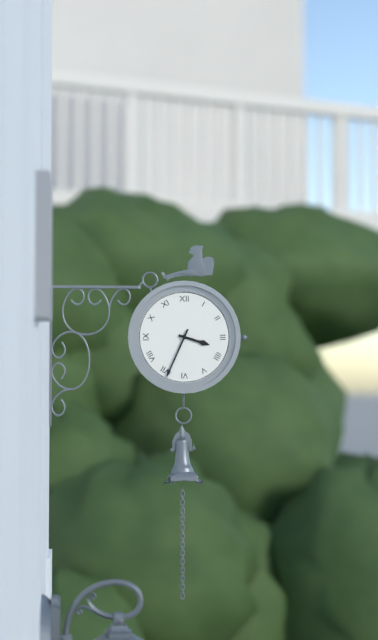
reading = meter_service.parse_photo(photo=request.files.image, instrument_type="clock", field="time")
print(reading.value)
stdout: 3:34
